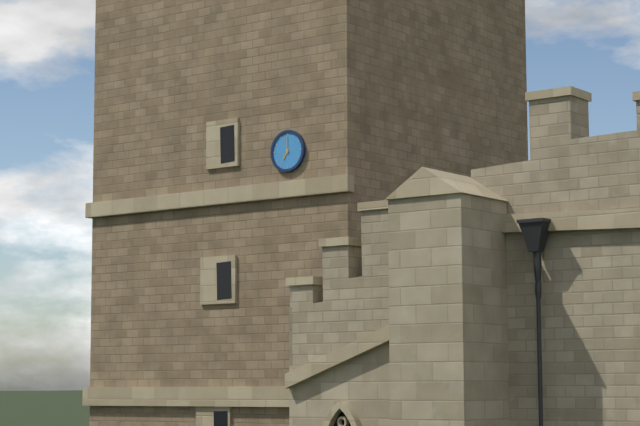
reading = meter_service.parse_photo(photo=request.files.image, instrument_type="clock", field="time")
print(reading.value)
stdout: 7:00
